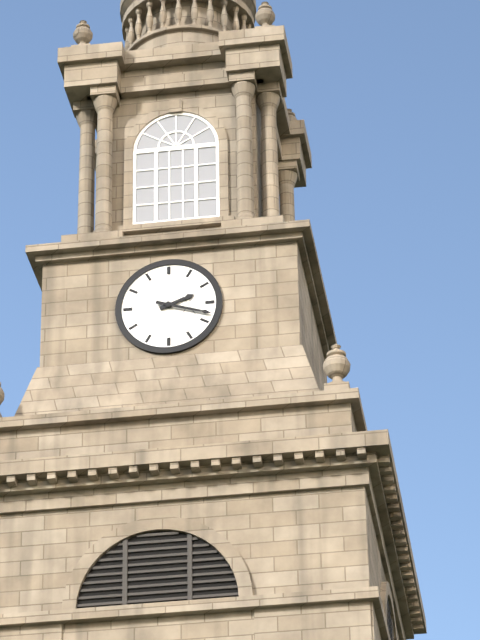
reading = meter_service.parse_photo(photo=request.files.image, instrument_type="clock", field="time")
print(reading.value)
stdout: 2:18
